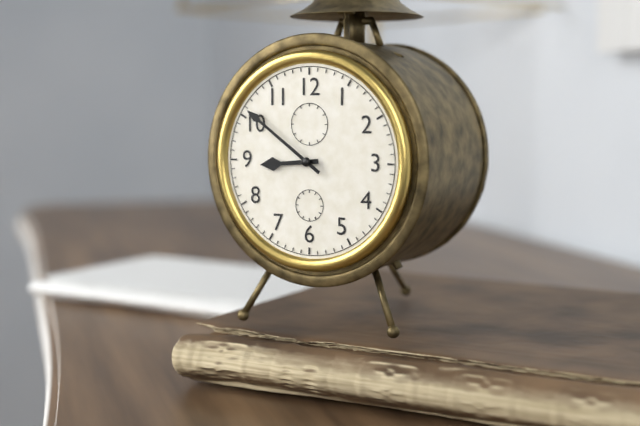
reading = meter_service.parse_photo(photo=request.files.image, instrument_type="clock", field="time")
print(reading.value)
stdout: 8:51
